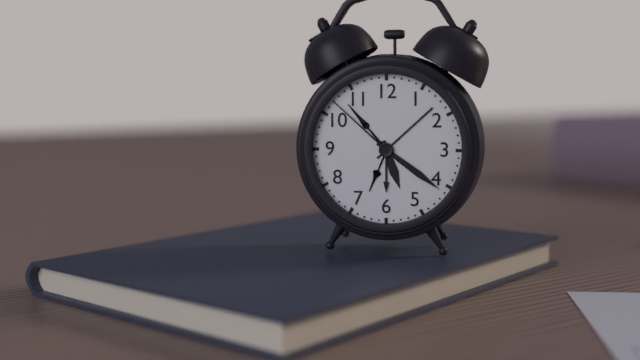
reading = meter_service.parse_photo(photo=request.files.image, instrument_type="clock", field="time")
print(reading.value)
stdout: 5:21:52
